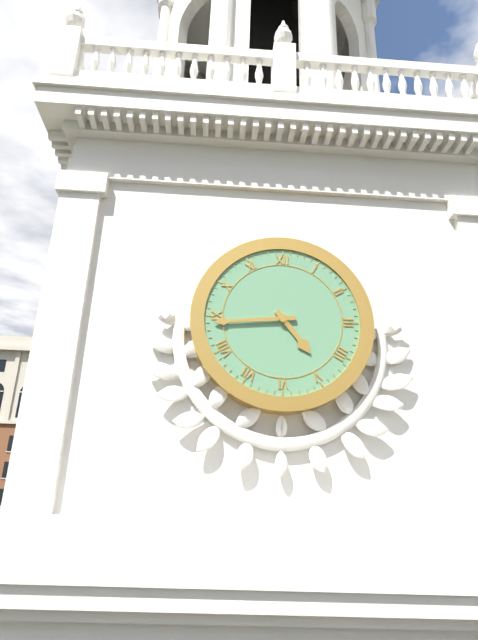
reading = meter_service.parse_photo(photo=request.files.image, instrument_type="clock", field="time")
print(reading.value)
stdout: 4:44
